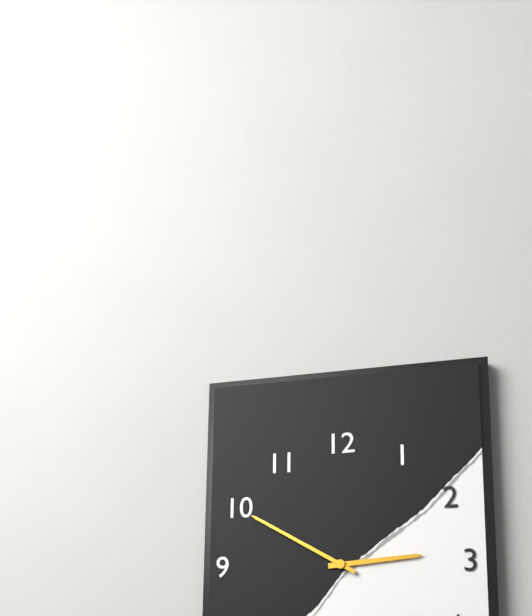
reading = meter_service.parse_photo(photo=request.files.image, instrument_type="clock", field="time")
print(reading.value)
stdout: 2:50
